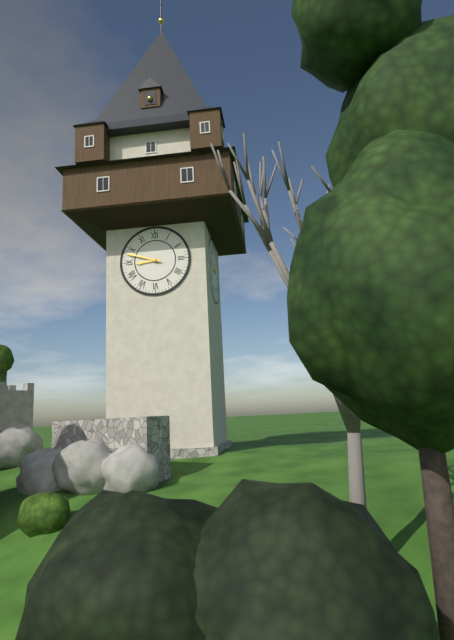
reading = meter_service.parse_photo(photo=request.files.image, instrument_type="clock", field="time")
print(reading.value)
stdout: 8:48
